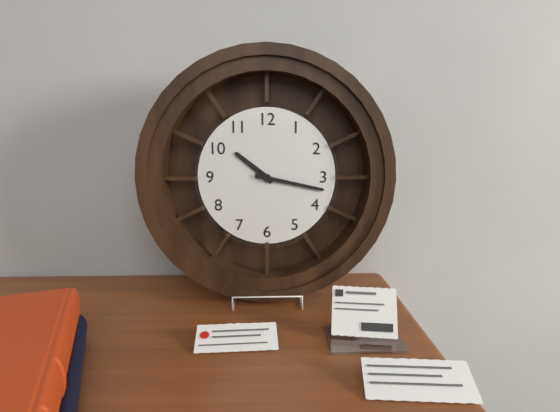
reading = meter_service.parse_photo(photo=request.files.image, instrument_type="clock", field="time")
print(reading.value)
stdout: 10:17
